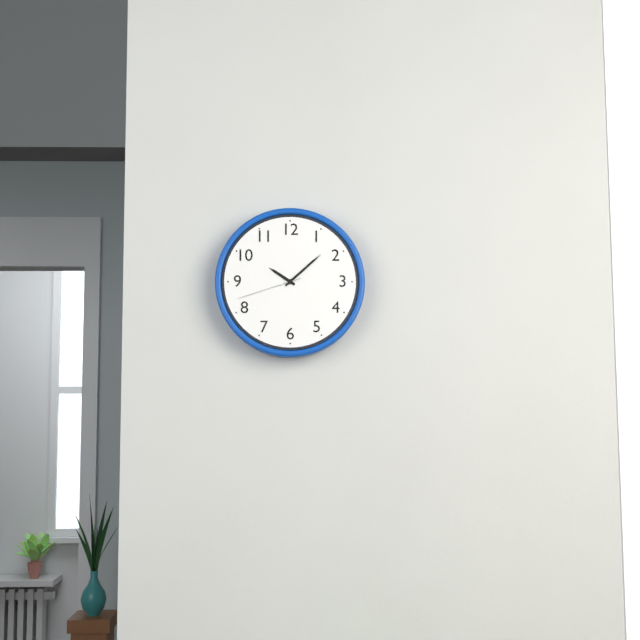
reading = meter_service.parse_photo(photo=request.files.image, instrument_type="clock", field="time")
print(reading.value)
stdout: 10:08:42
